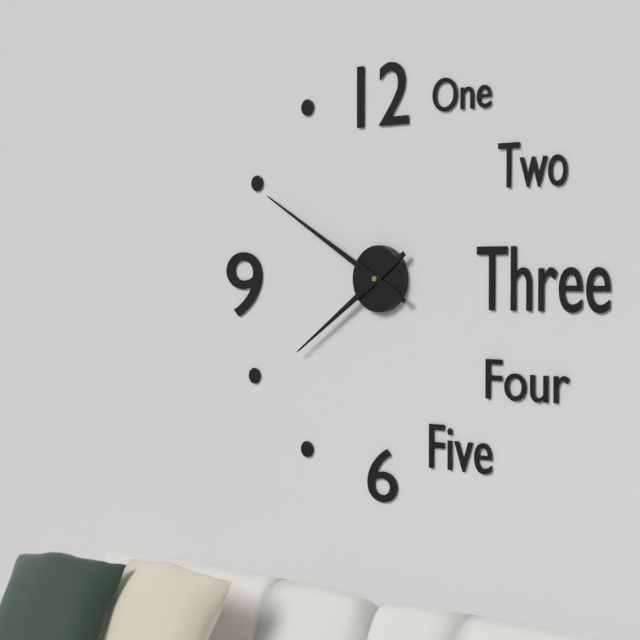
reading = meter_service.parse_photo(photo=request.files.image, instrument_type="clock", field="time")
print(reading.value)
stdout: 7:50
